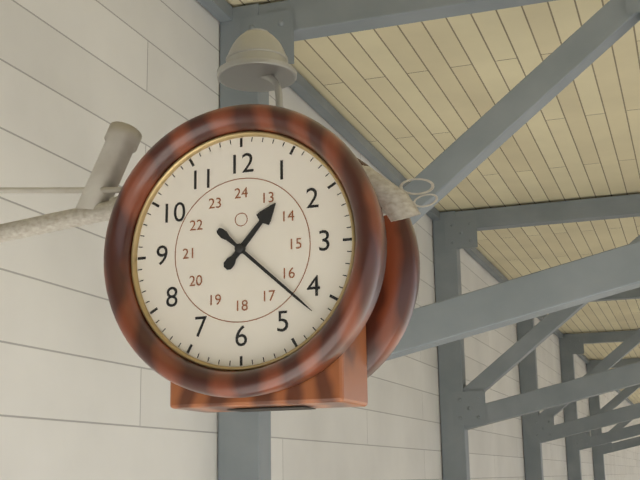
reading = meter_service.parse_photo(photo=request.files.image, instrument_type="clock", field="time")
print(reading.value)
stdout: 1:22
